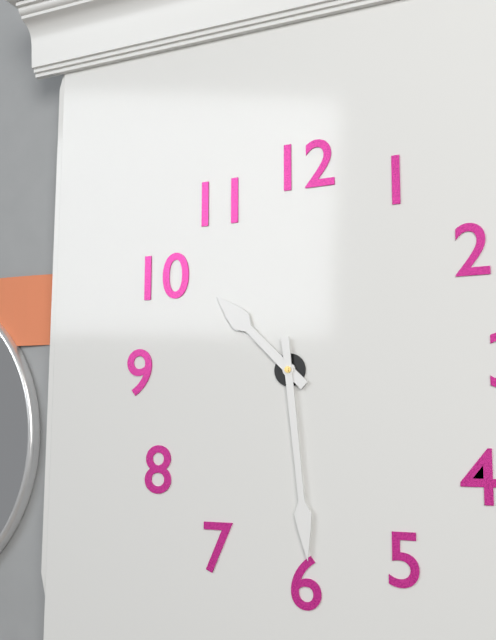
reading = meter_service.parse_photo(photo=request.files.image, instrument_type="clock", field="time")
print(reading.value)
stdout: 10:29
